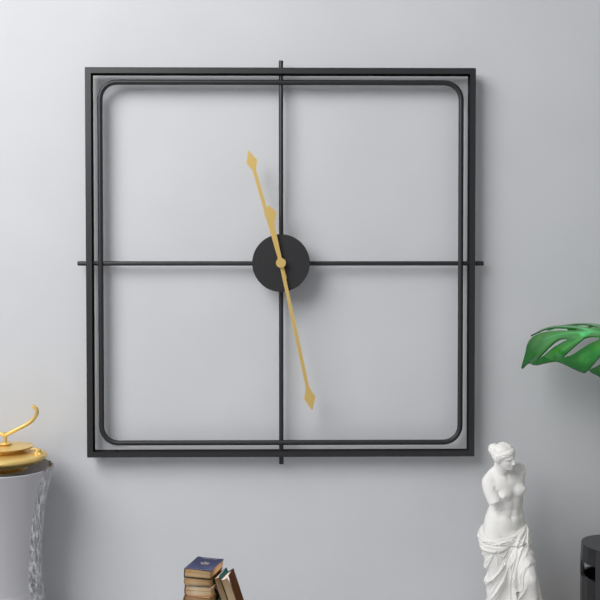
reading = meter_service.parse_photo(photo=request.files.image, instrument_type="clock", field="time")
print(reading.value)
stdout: 11:28
